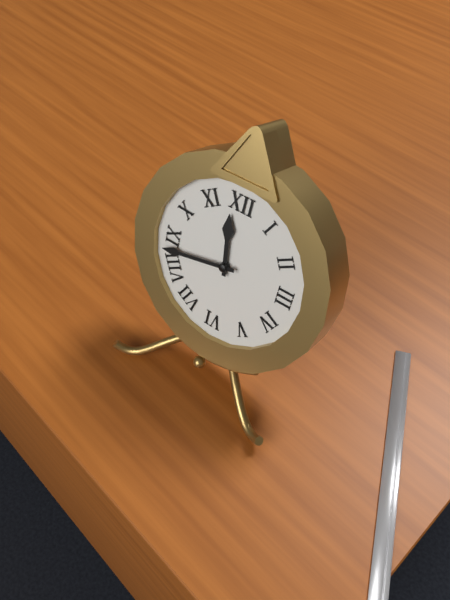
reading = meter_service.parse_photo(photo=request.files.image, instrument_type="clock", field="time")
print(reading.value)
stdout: 11:43
